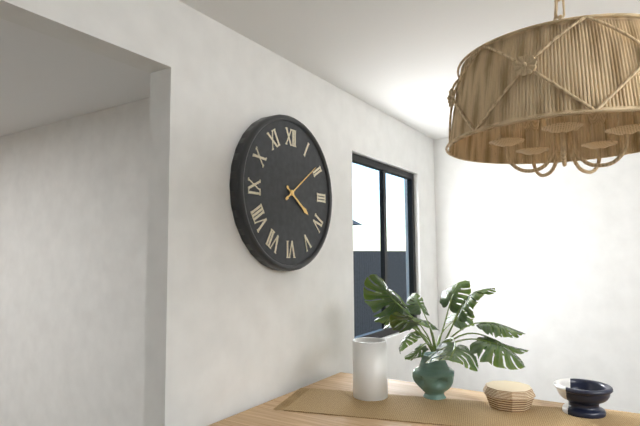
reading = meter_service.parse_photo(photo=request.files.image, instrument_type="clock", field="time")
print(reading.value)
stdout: 4:09
